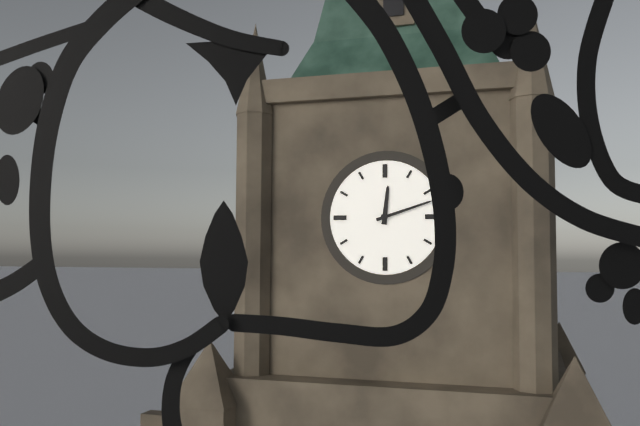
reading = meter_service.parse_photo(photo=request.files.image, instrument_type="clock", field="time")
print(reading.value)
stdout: 12:12
